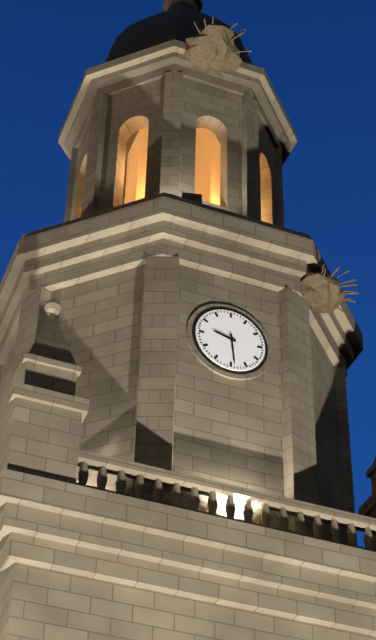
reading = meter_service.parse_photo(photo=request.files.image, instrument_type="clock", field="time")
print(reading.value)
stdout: 9:29
